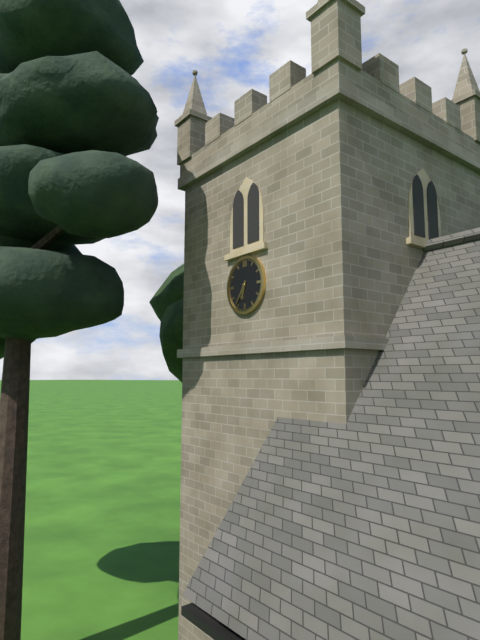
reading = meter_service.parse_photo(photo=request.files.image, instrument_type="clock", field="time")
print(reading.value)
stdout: 6:36
